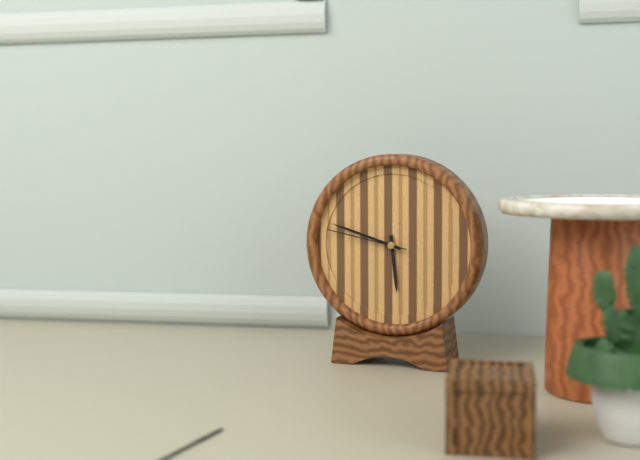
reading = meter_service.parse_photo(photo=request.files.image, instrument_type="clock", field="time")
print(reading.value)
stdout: 5:48:47
